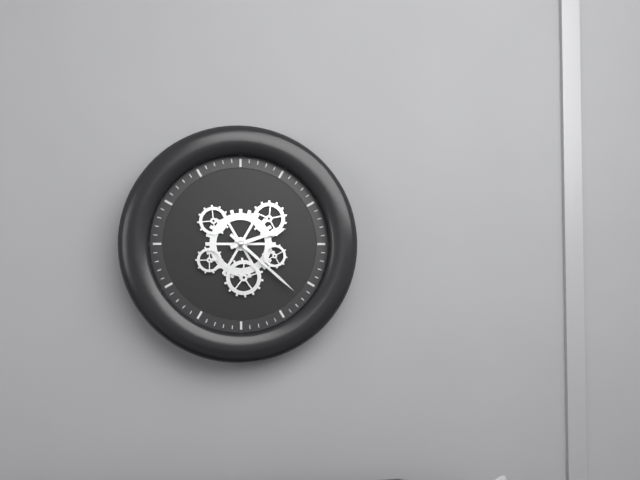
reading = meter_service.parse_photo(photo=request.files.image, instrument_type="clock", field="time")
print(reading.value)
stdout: 2:22
